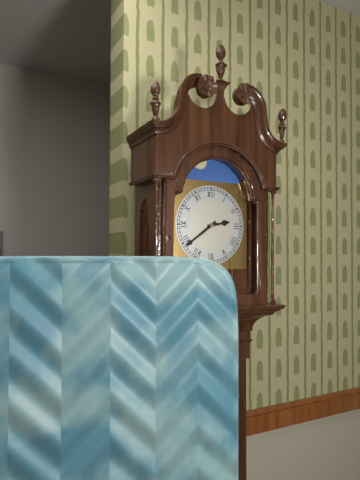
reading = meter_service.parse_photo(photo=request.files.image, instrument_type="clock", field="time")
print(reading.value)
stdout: 2:39
